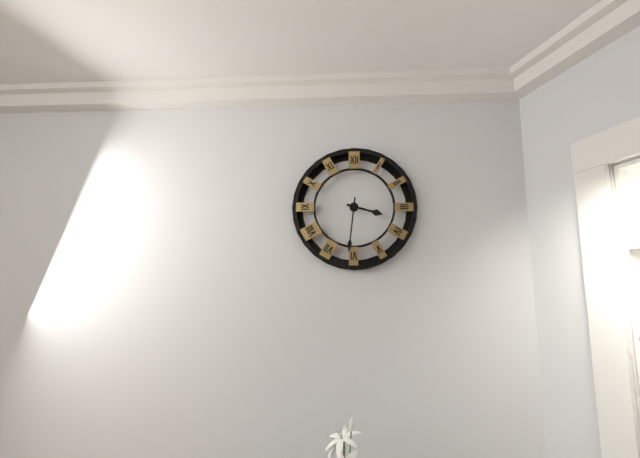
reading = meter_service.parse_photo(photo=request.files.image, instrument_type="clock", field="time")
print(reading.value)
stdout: 3:31
